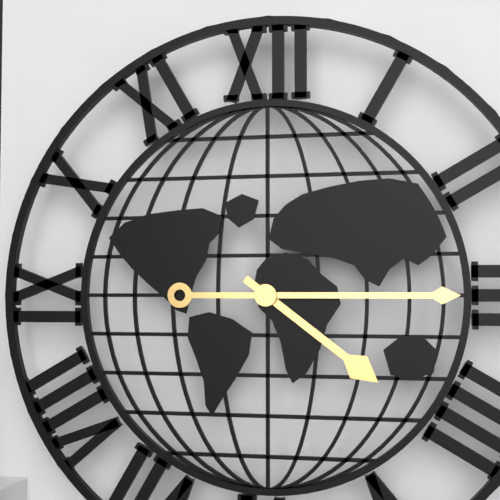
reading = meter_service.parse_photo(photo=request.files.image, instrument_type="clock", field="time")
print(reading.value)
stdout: 4:15
